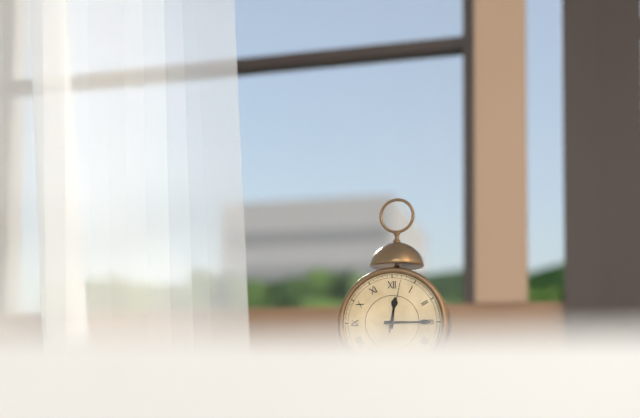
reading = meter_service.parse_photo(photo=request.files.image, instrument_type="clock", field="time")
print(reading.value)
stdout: 12:15:02
